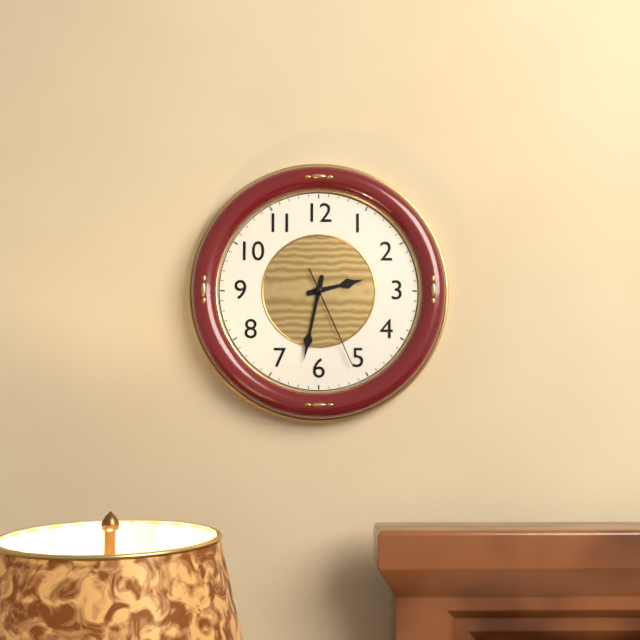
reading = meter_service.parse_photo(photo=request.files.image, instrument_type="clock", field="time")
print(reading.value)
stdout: 2:32:26
